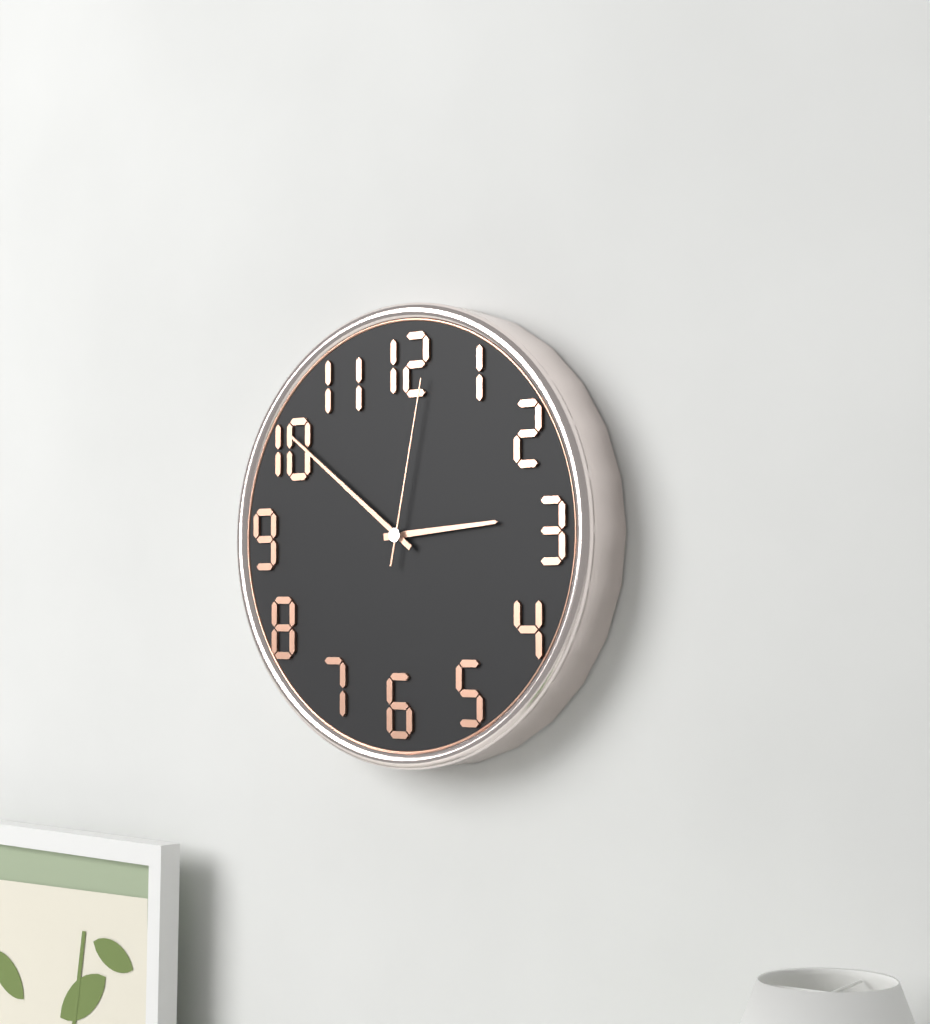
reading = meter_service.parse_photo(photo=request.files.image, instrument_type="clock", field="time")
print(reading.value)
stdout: 2:51:02
